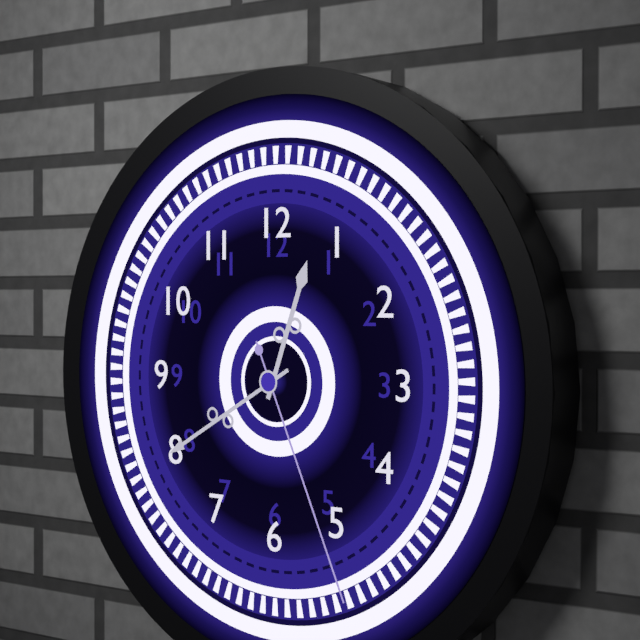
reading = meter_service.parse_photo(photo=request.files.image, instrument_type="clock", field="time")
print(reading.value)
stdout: 12:40:26
